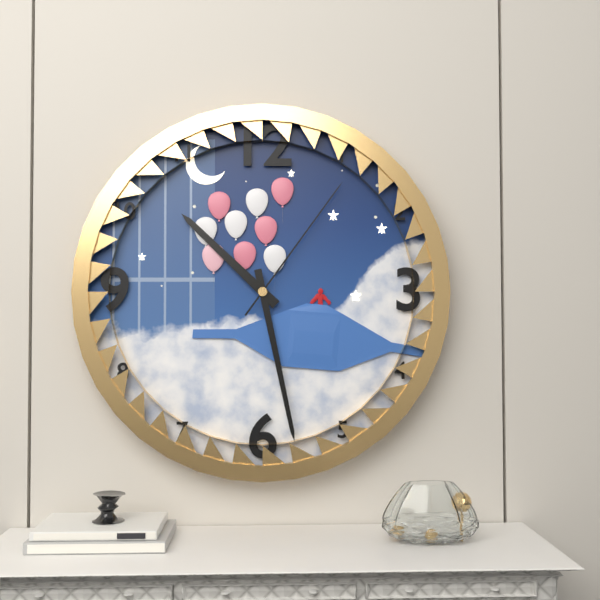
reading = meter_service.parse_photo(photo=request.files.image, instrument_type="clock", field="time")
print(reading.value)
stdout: 10:28:06
